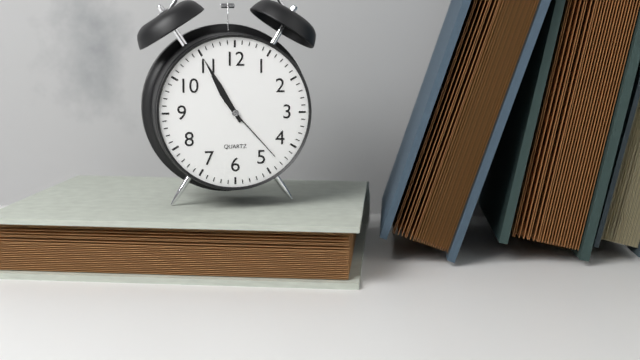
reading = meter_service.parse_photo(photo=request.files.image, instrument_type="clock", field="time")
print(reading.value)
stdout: 10:55:23
